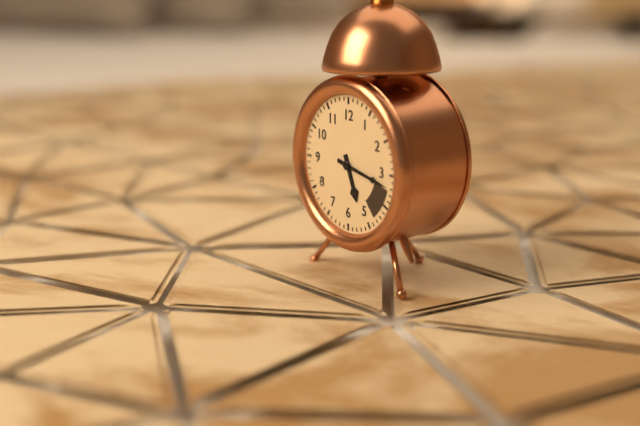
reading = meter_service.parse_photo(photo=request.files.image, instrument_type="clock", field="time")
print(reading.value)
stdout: 5:17
